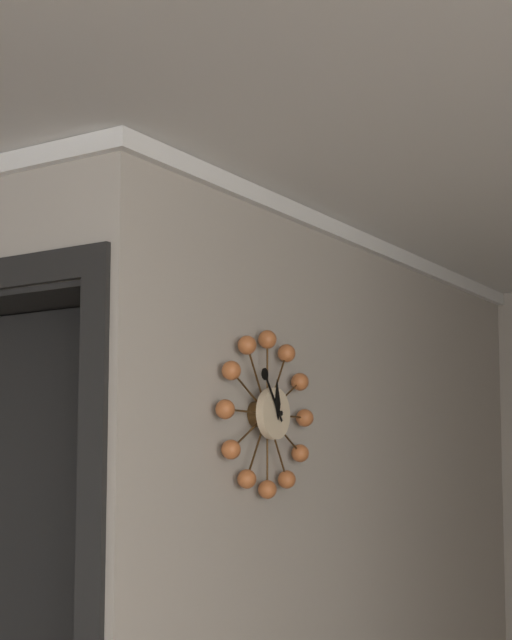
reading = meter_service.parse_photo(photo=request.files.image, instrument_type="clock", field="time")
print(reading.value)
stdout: 11:54
